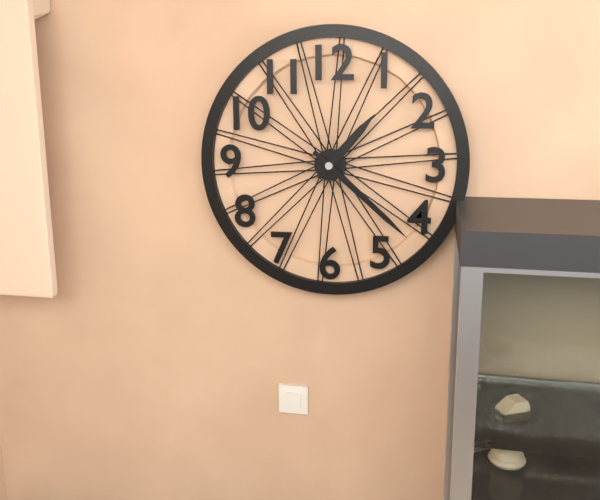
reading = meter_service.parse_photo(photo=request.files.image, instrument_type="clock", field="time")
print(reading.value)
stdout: 1:22
